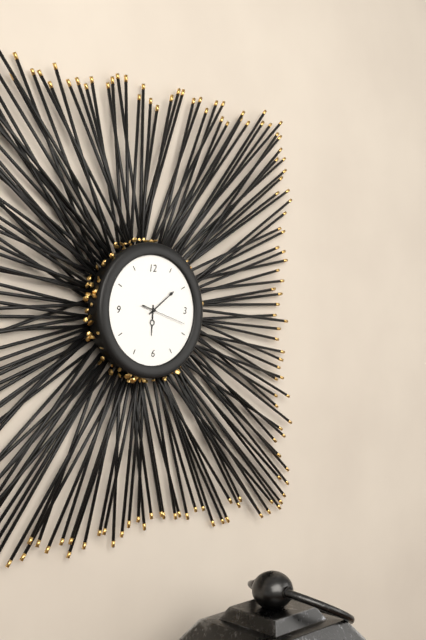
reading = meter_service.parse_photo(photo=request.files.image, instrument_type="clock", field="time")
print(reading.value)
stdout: 6:09
